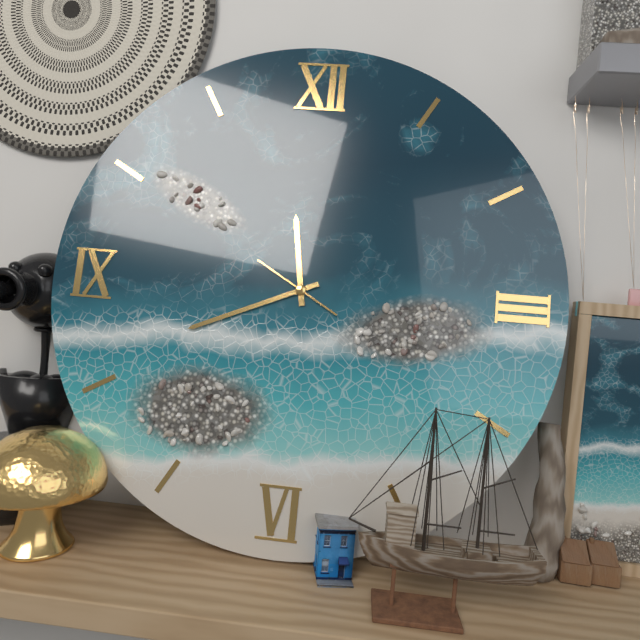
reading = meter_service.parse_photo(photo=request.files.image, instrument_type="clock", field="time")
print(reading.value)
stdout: 11:41:50
